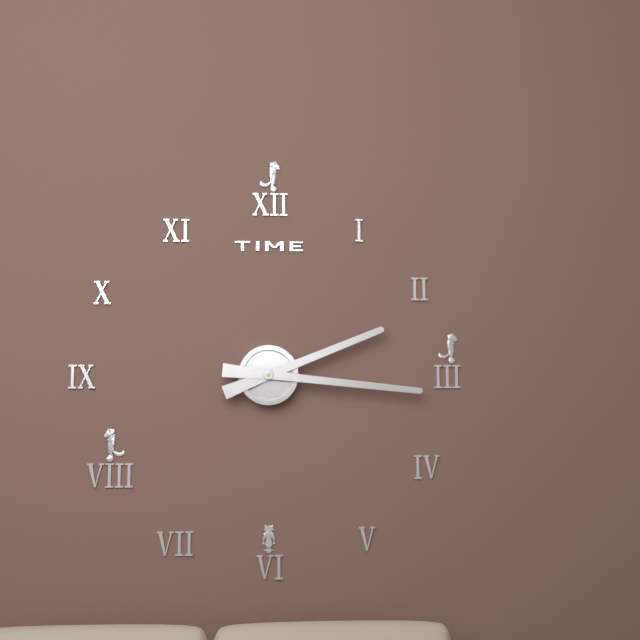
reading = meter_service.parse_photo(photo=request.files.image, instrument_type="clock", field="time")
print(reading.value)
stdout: 2:16
